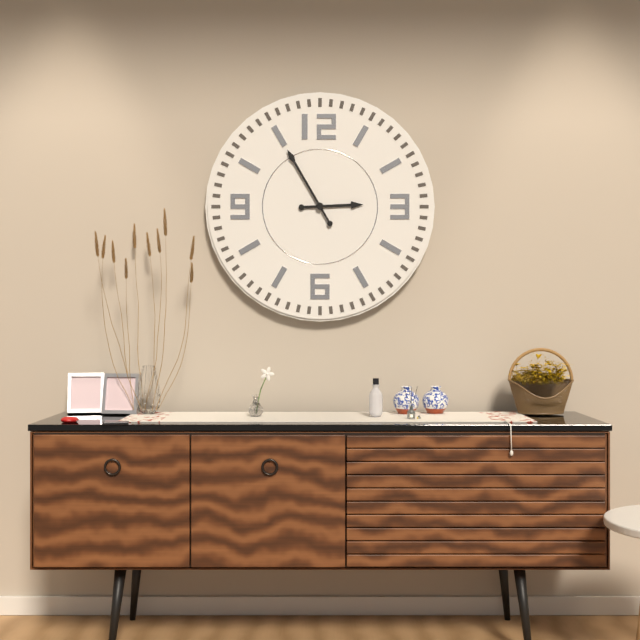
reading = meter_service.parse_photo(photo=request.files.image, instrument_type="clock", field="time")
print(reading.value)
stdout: 2:55
